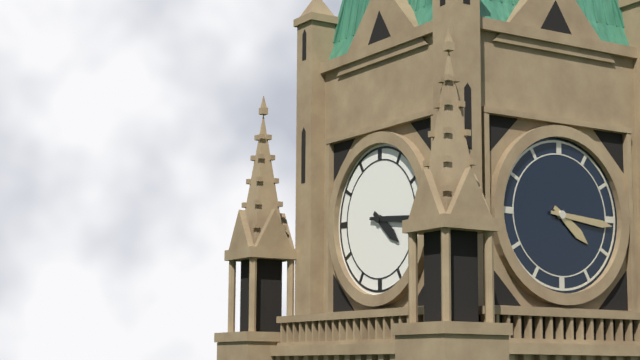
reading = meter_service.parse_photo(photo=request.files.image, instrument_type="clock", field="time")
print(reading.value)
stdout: 4:16
